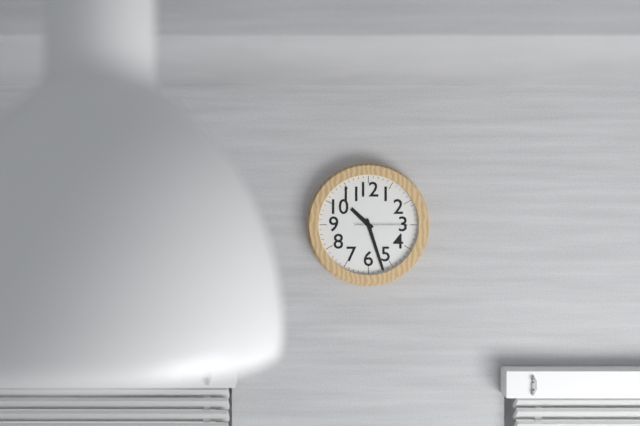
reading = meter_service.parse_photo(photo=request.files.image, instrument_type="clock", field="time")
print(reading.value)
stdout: 10:27
